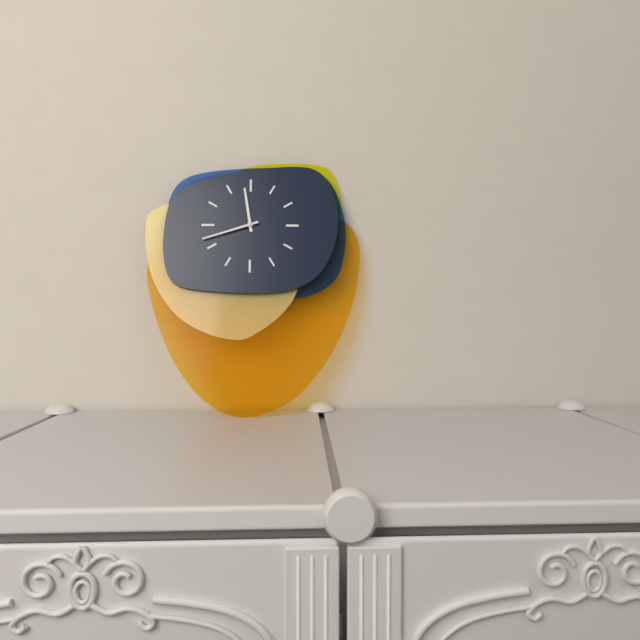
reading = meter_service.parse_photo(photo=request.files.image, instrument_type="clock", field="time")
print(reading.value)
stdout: 11:42
